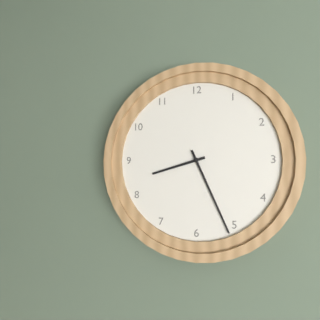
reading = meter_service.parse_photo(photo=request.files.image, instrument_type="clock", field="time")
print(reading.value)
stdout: 8:26
